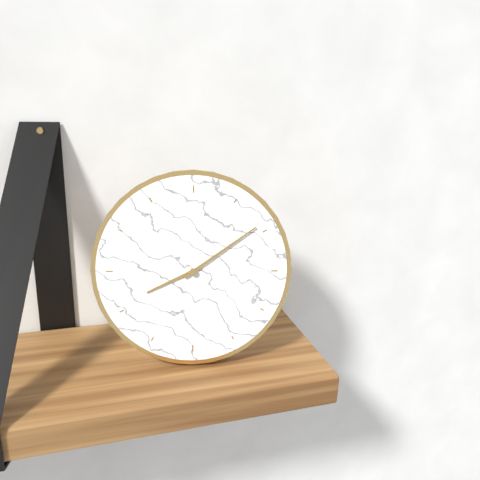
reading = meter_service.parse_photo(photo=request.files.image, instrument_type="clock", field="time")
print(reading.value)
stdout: 8:09
